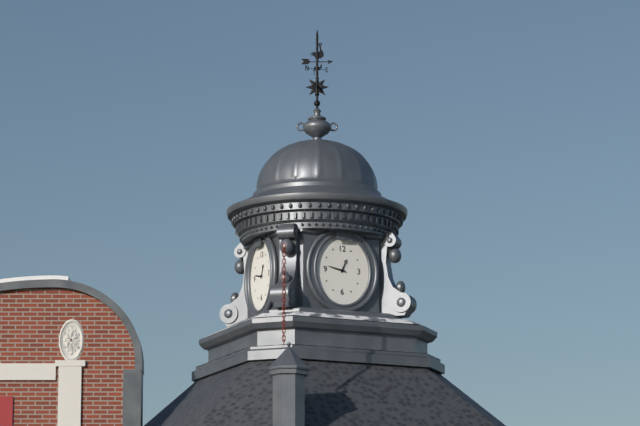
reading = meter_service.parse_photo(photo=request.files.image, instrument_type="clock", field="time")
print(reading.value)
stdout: 12:47
